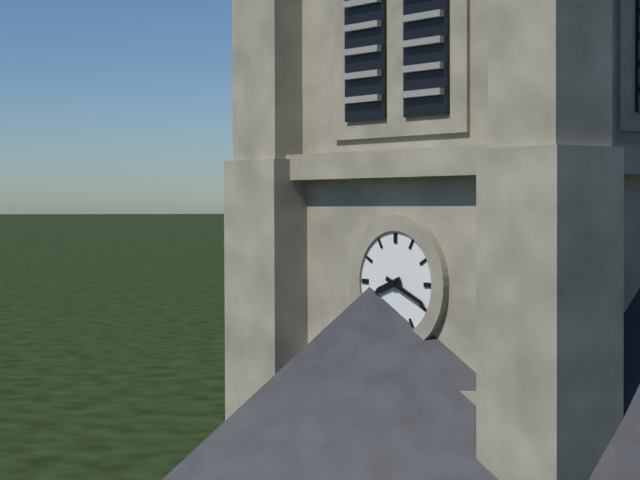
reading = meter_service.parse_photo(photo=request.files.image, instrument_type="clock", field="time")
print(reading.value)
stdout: 8:19
